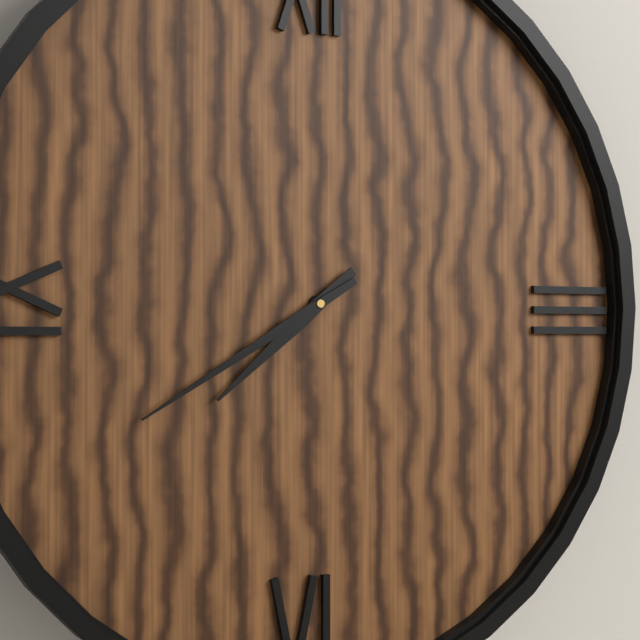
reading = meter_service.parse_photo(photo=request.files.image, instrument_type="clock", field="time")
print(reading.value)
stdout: 7:40
